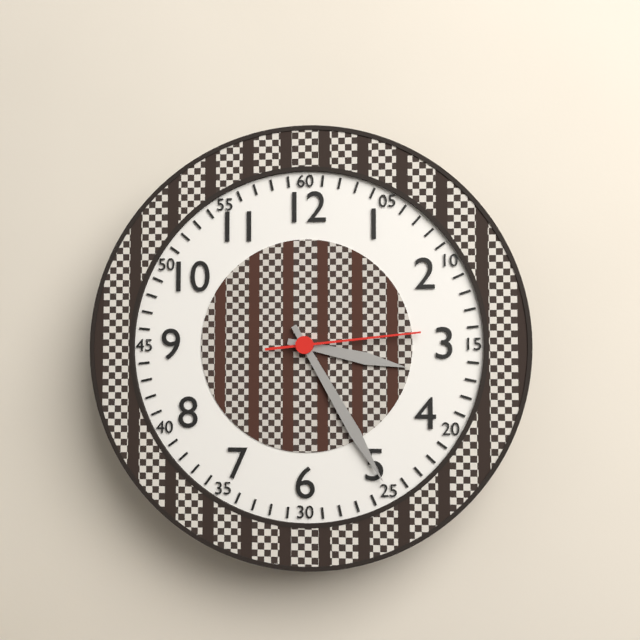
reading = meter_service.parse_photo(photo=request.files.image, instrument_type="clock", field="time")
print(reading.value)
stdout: 3:25:14
